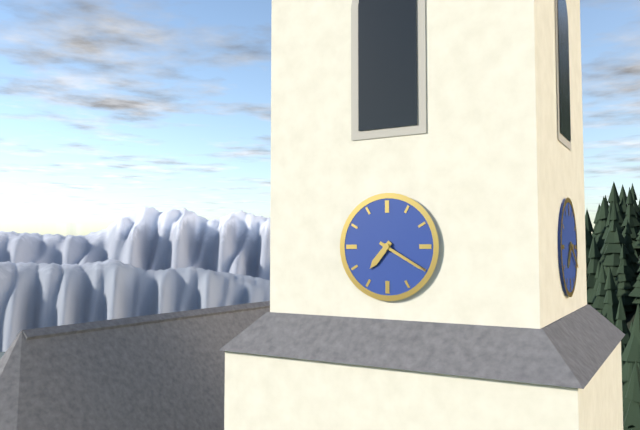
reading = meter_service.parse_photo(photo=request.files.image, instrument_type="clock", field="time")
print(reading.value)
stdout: 7:20
